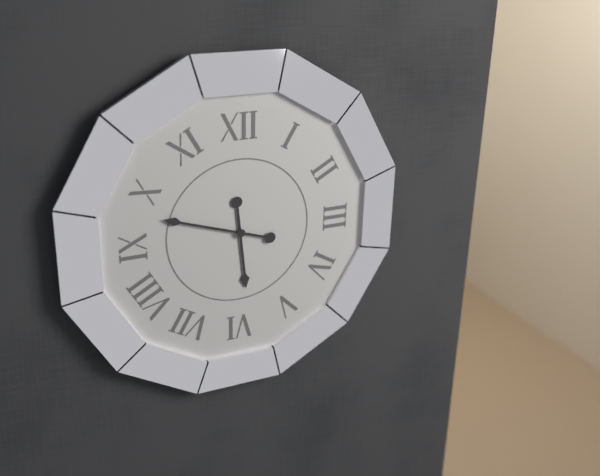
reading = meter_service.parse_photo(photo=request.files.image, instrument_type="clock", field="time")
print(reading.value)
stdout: 5:48
